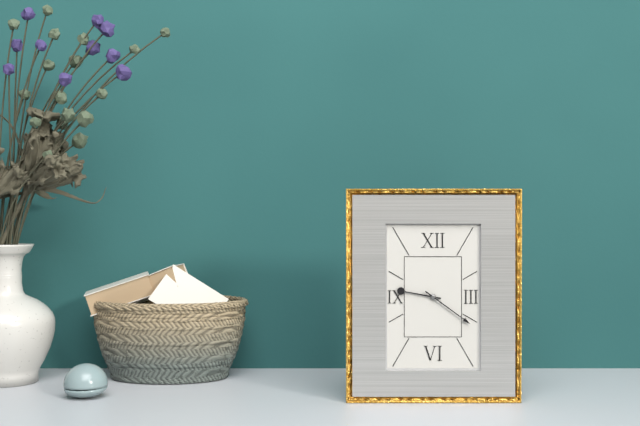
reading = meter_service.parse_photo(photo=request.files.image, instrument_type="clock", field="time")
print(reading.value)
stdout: 9:21
